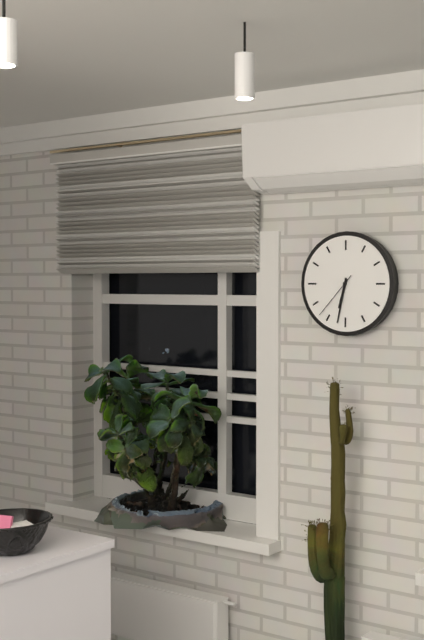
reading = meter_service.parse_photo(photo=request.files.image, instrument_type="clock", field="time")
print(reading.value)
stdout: 6:32:37
